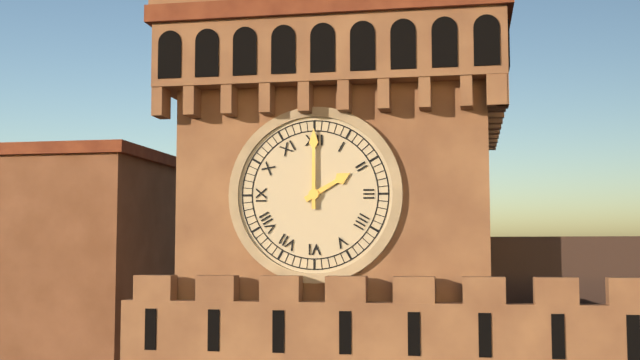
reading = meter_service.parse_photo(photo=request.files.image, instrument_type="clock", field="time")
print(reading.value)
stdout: 2:00
